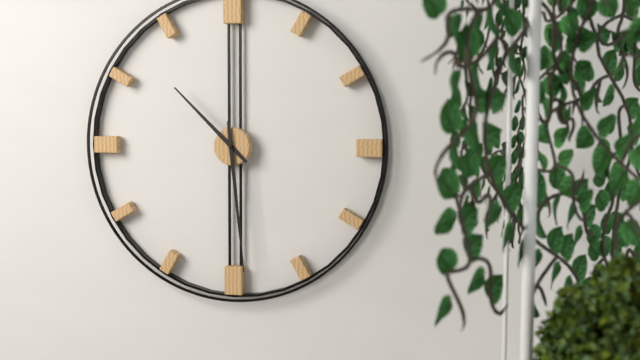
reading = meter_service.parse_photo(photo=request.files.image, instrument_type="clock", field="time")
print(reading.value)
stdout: 10:29
